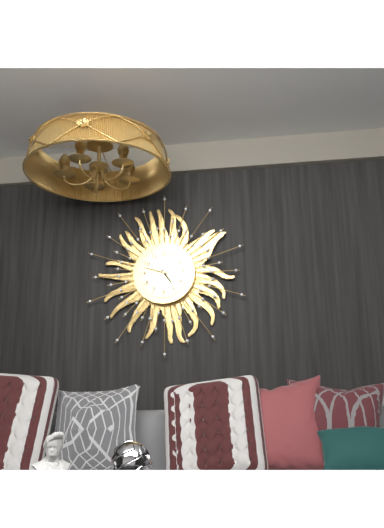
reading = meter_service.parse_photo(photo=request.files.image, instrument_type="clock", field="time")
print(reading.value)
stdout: 4:48
